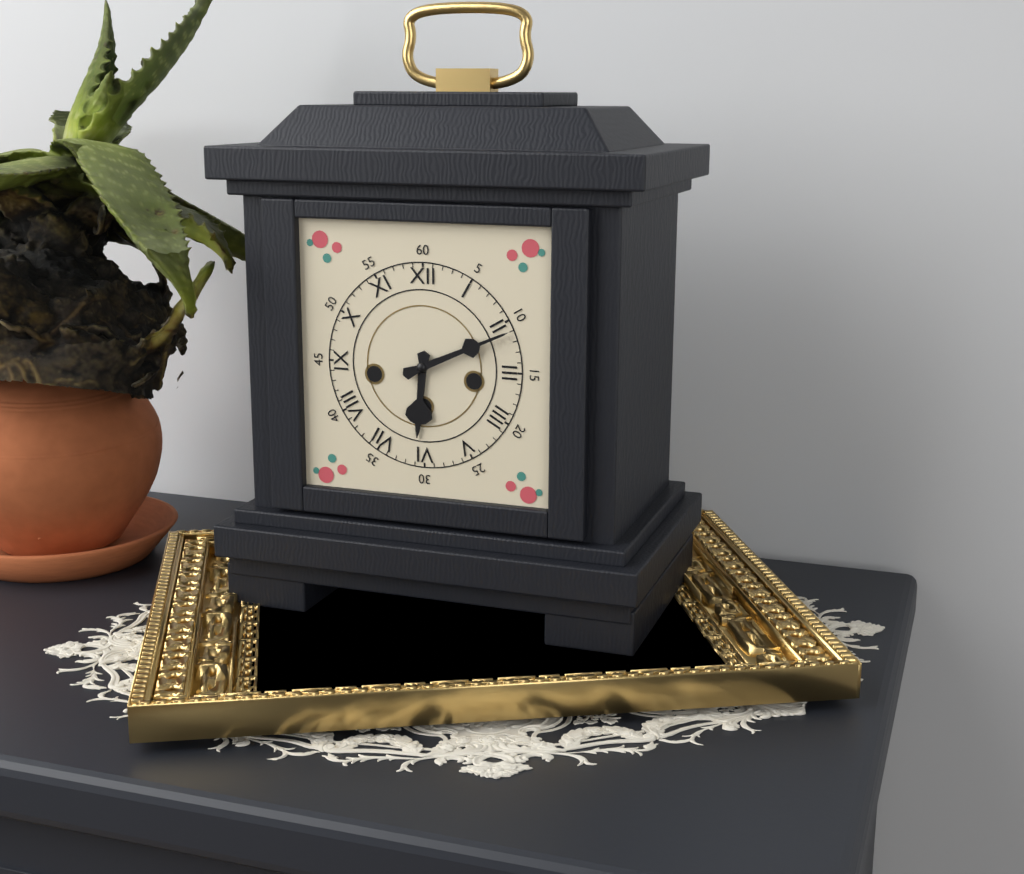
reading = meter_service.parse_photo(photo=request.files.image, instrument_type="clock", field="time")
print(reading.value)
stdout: 6:11
